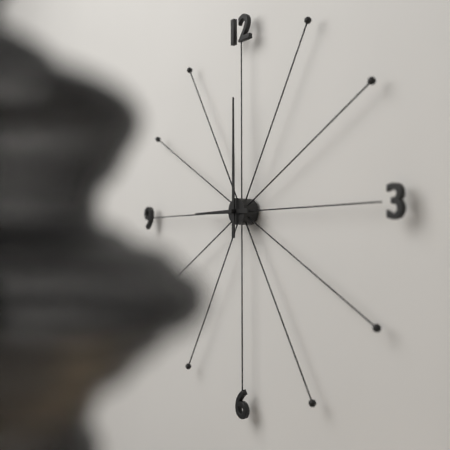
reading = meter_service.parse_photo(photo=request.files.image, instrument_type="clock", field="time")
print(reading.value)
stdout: 9:00
